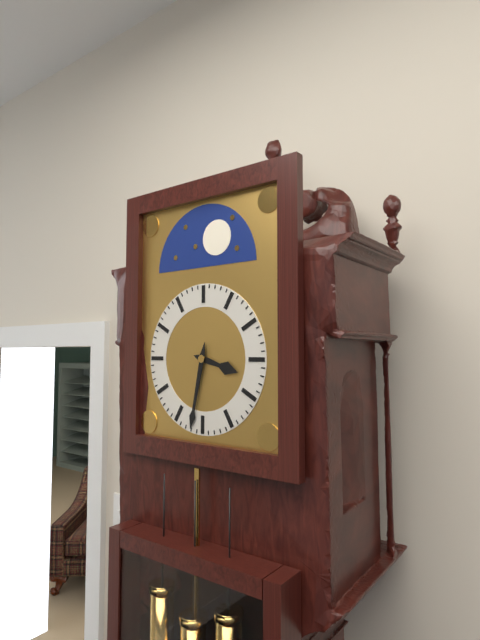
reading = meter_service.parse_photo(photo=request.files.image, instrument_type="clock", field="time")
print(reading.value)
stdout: 3:32
